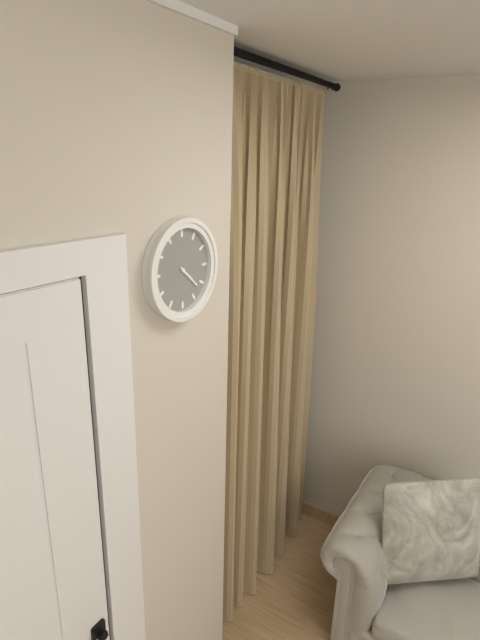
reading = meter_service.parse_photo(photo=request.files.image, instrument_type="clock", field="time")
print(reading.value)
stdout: 4:22
